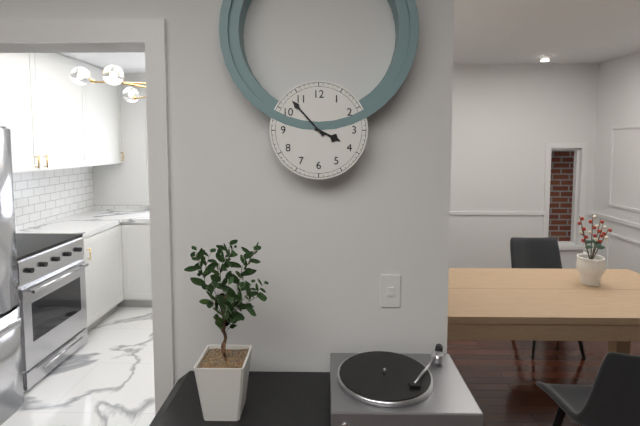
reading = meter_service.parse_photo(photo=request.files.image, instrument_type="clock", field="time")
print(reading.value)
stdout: 3:53
